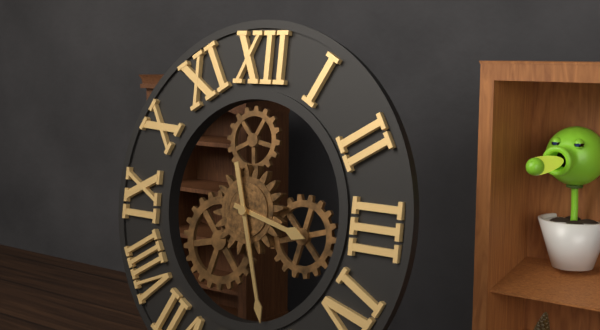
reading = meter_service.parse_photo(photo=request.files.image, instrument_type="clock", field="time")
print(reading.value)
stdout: 3:27
